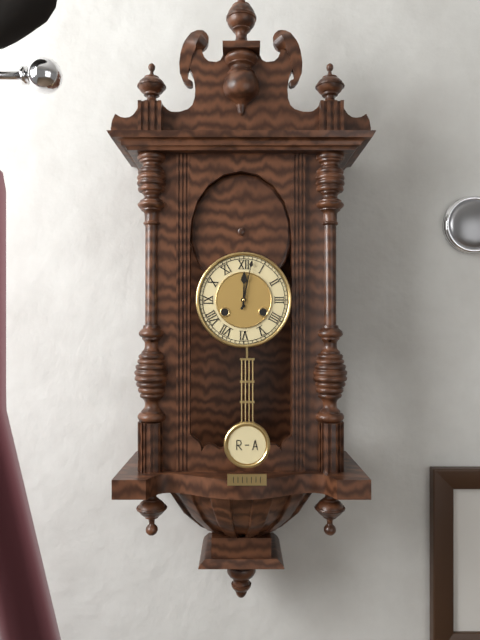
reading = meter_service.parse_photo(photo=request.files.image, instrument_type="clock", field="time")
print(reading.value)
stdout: 12:02
